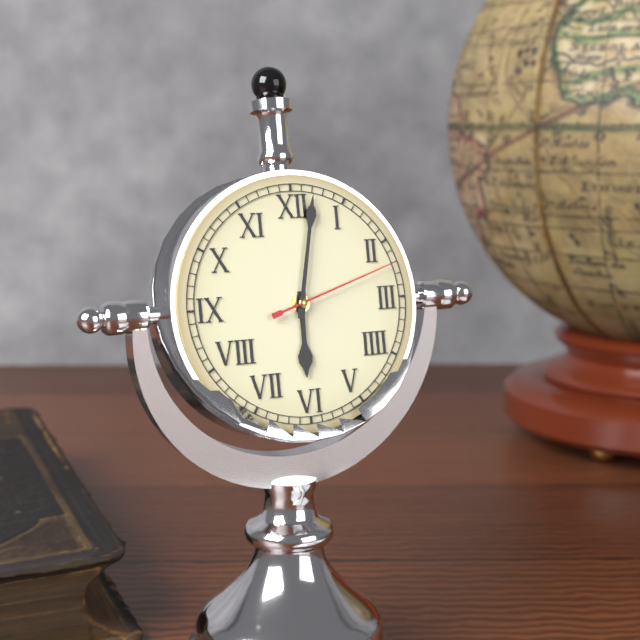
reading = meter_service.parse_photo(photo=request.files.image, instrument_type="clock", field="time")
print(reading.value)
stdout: 6:02:12
